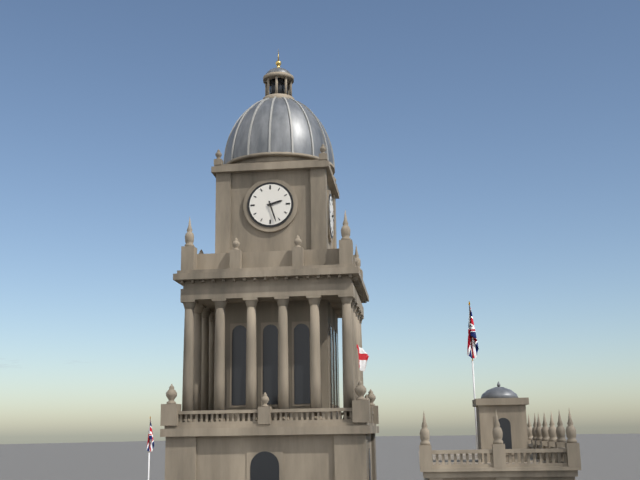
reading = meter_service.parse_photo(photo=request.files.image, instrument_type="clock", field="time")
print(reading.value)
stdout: 2:27
